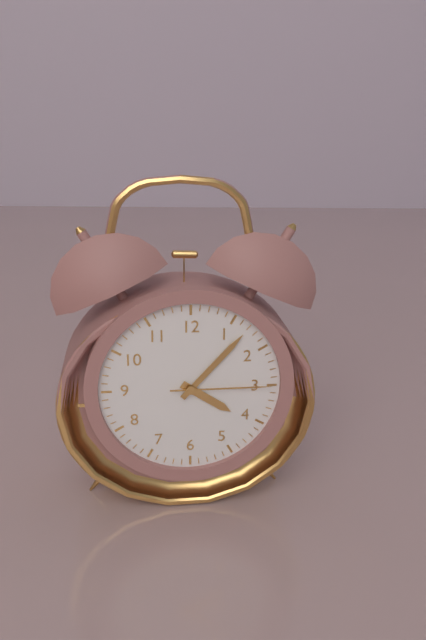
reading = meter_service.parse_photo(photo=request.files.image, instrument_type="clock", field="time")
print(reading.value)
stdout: 4:07:15
